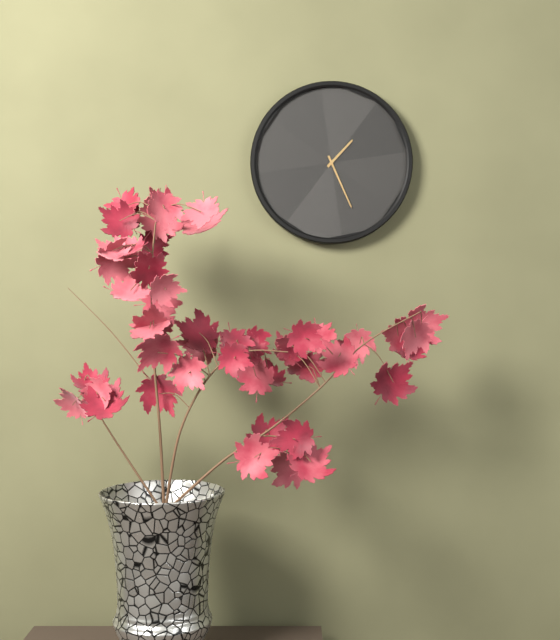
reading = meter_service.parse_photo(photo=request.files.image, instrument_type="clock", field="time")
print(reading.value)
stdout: 1:26
